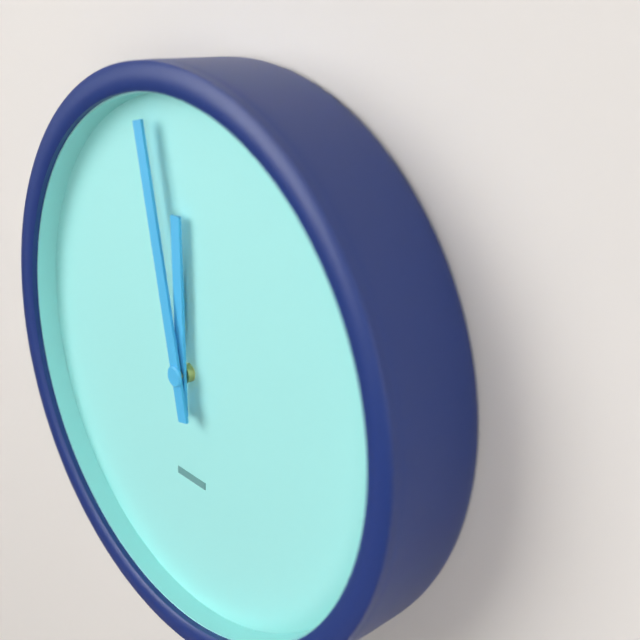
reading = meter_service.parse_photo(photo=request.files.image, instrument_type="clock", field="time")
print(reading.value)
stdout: 11:58
